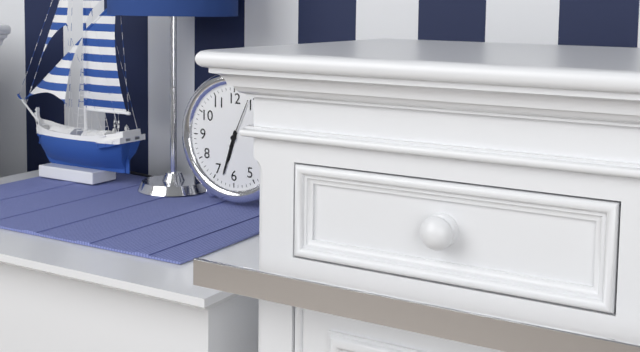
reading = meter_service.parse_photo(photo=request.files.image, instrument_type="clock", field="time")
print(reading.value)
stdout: 6:33:04
